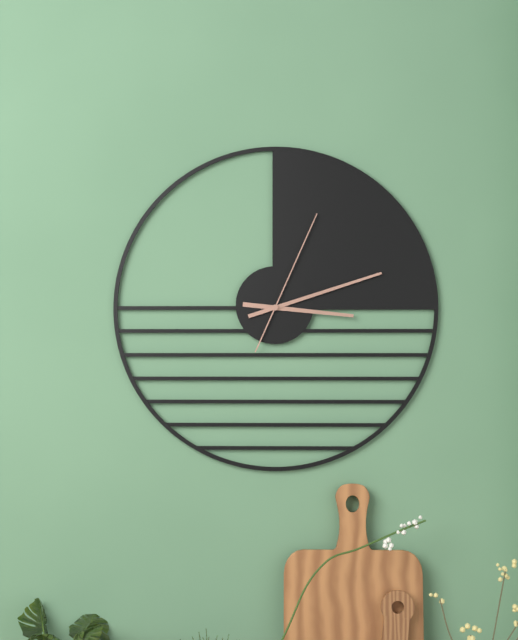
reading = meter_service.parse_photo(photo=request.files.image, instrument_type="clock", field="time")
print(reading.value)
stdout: 3:12:04
